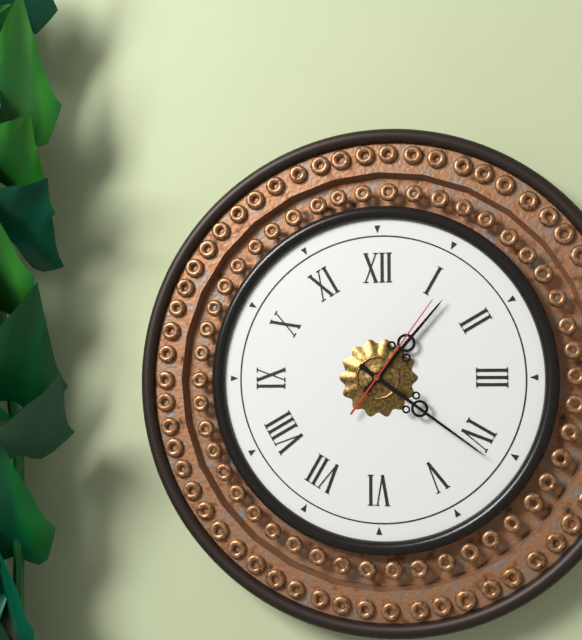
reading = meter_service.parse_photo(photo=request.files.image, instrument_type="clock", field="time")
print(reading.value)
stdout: 1:21:06
